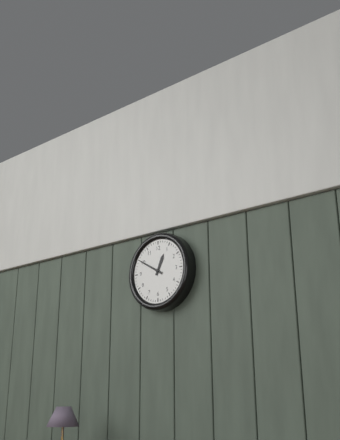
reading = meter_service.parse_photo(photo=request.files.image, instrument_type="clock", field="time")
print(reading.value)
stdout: 12:50
